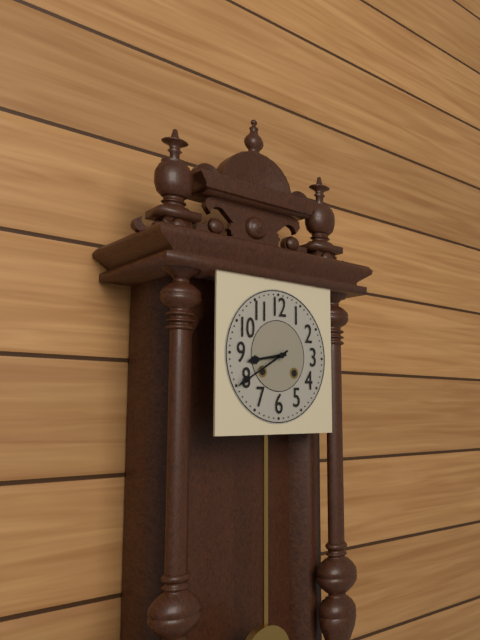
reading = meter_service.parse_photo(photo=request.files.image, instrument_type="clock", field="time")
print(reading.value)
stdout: 8:40
